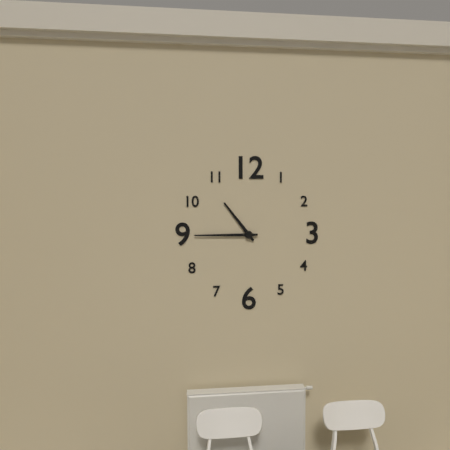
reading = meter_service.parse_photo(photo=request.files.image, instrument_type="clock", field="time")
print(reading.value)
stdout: 10:45
